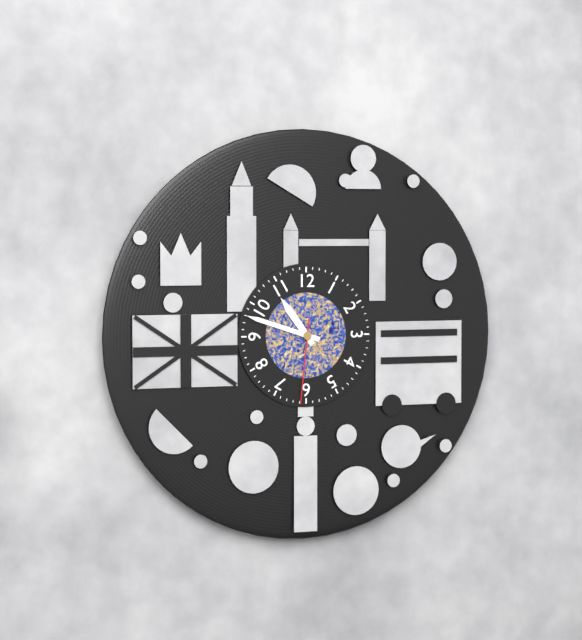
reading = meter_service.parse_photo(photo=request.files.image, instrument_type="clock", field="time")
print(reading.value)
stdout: 10:48:31
